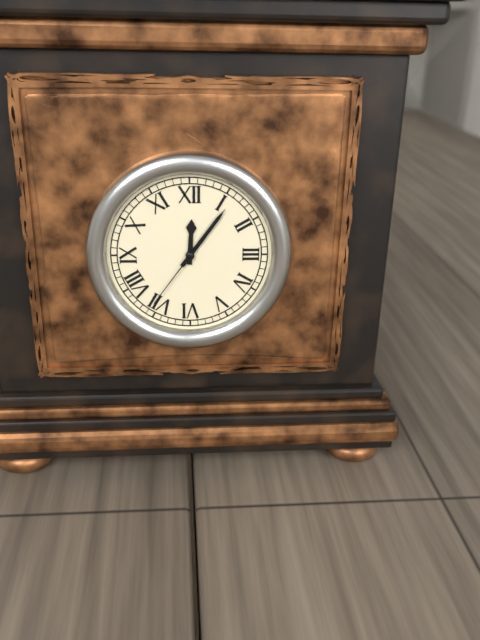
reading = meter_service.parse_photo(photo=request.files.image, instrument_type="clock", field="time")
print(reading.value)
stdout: 12:06:36
